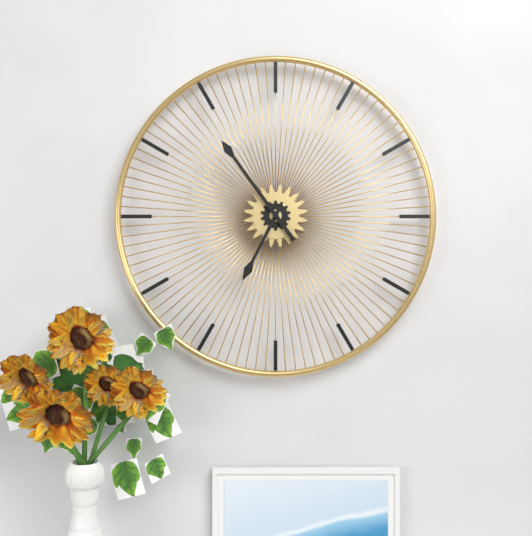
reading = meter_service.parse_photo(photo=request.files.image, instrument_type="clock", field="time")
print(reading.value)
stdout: 6:54
